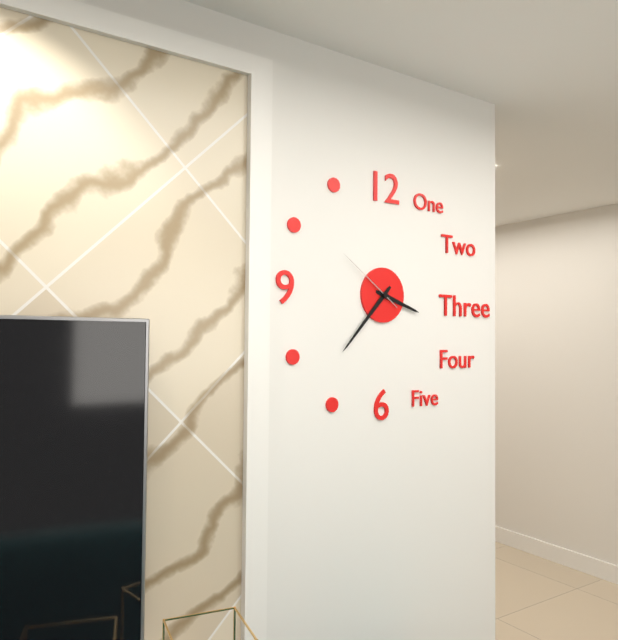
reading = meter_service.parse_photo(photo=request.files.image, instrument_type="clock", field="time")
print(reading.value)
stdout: 3:37:51
